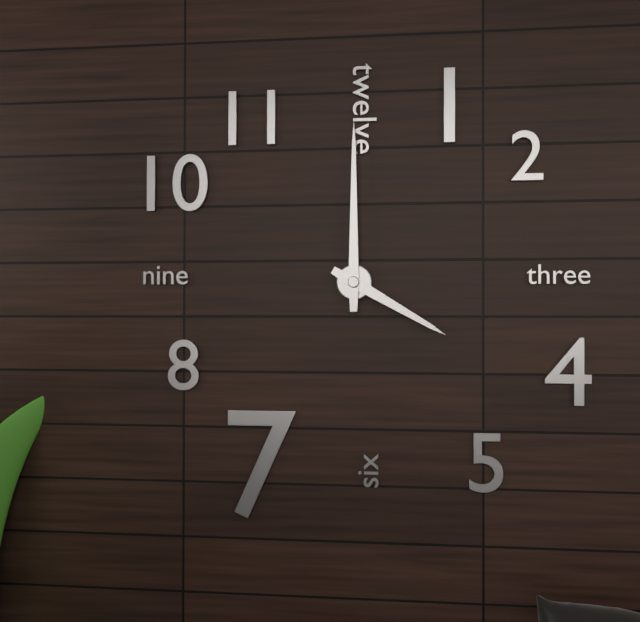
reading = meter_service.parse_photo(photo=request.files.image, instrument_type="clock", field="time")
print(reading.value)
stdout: 4:00
